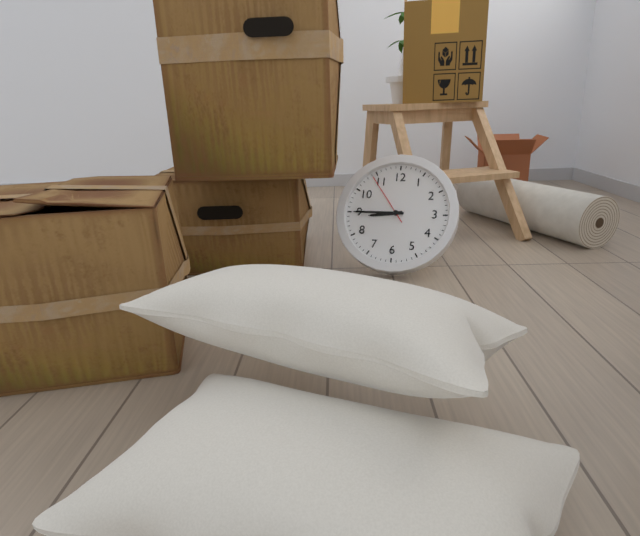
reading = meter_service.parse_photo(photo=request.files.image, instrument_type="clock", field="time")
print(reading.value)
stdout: 8:45:54
